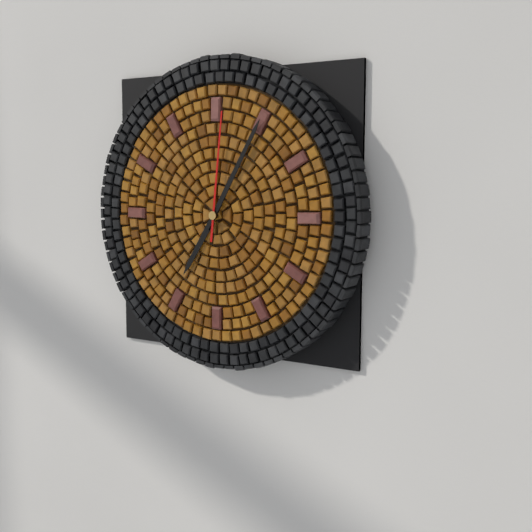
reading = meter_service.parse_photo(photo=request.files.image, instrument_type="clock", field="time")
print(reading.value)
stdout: 7:05:01
